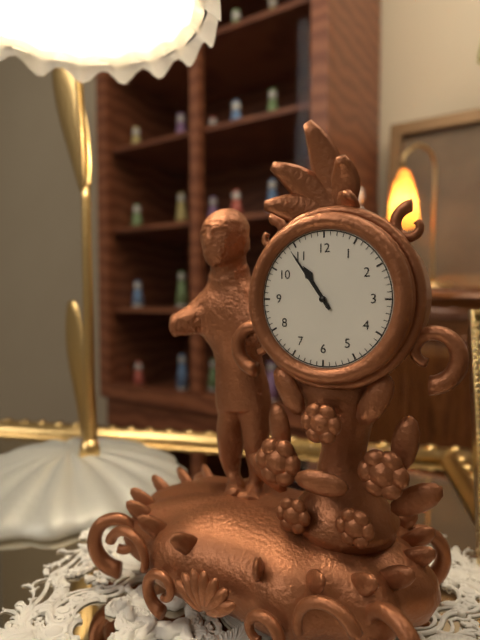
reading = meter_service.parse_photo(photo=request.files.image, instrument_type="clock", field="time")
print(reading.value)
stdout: 10:54
